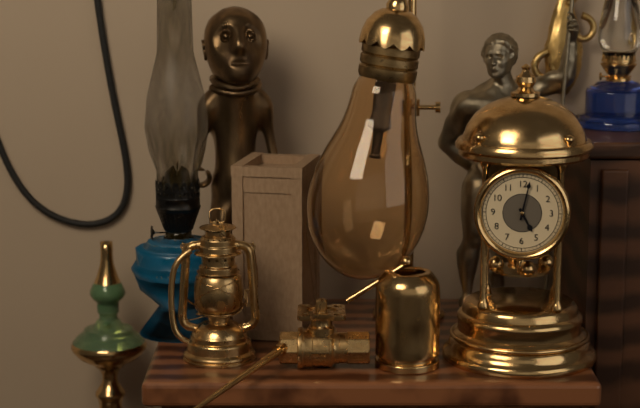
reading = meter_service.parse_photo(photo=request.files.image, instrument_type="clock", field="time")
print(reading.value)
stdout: 5:02
